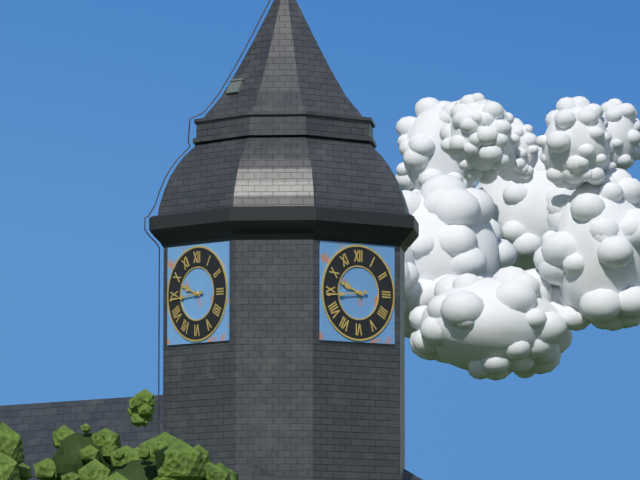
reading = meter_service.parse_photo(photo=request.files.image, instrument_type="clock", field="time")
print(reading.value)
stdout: 9:44
